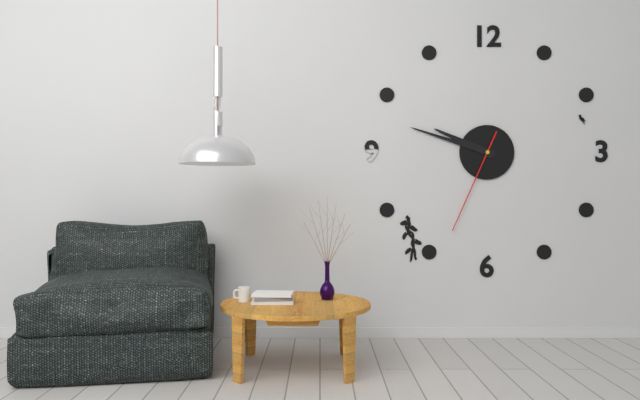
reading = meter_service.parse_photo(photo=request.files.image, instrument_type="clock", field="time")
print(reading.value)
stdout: 9:48:34
